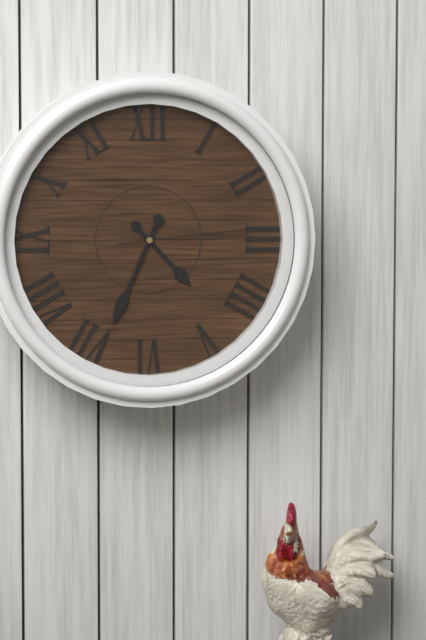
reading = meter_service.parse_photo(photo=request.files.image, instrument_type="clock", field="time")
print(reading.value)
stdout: 4:34:14
